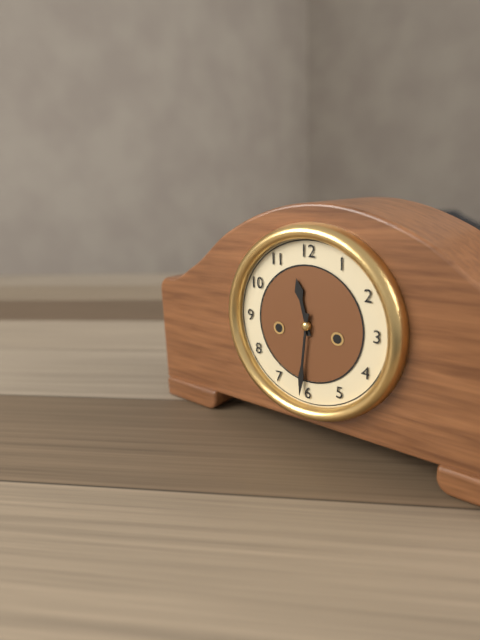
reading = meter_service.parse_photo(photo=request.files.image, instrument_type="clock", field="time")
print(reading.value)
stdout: 11:31
